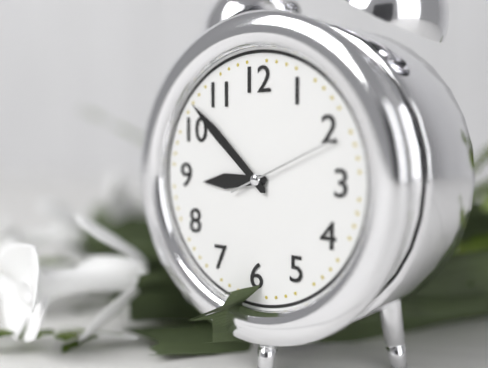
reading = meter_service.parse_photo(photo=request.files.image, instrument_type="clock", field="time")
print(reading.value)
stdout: 8:52:11
